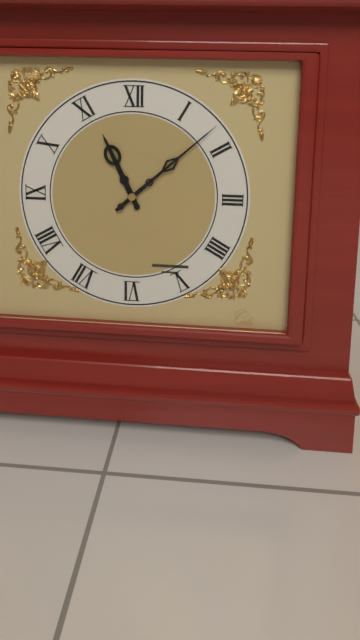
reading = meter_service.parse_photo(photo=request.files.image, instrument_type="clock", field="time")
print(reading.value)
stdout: 11:08
